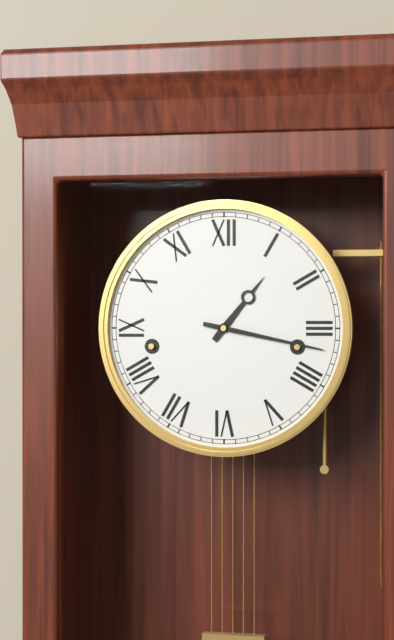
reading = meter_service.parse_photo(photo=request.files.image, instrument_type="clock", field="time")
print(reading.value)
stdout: 1:17
